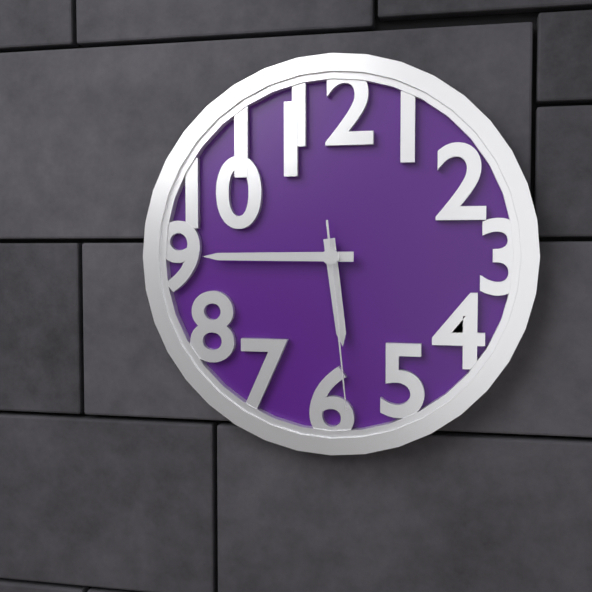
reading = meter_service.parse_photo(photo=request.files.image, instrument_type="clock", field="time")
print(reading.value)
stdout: 5:45:29
